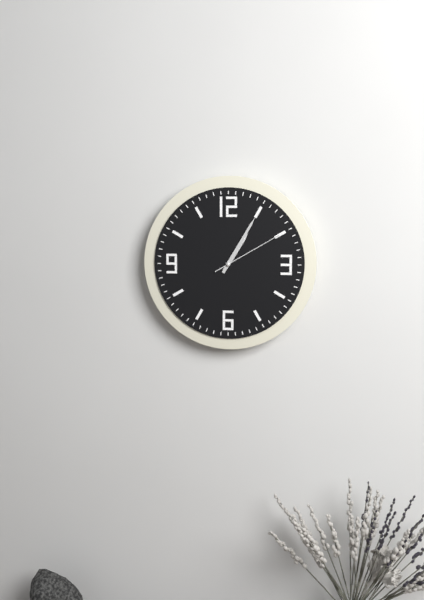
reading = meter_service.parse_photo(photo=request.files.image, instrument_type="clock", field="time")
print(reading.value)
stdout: 1:05:10
